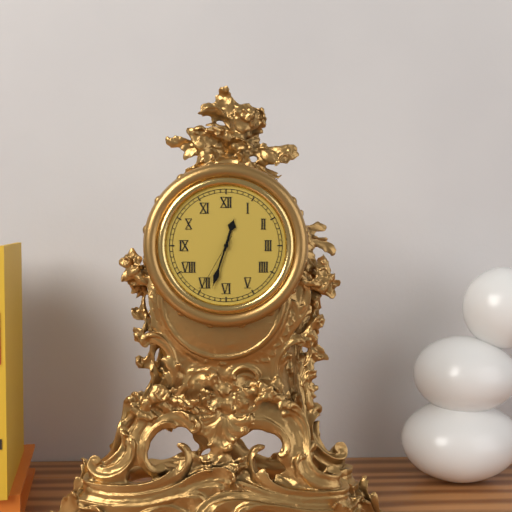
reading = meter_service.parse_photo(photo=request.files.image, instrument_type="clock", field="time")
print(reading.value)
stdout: 12:33:35
